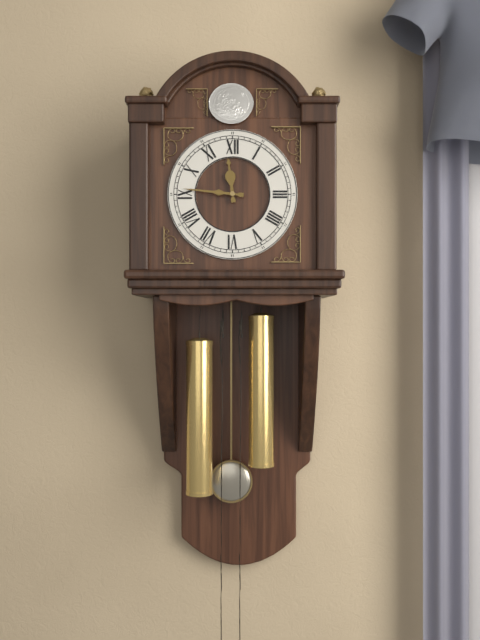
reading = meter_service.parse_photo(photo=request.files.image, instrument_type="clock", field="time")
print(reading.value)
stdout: 11:46
